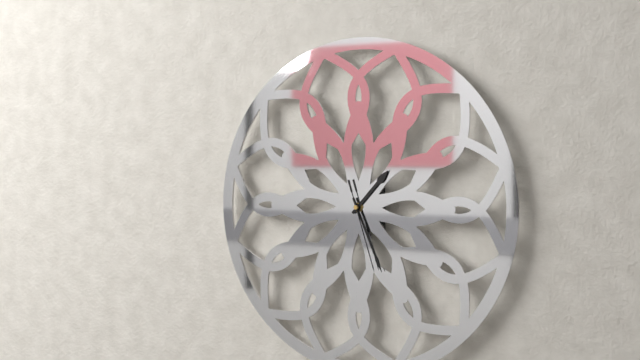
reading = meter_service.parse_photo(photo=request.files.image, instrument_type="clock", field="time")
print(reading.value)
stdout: 1:26:27
